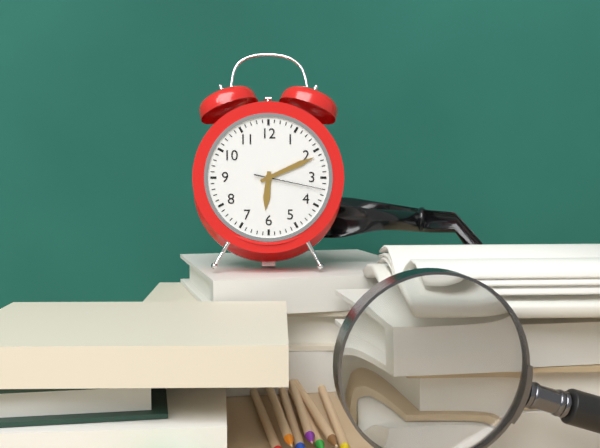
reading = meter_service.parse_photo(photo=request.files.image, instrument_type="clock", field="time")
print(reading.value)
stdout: 6:11:17
